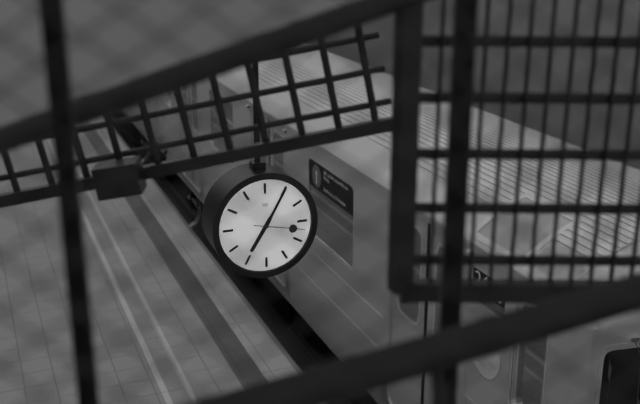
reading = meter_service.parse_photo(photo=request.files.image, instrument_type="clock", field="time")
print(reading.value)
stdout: 7:05:17
